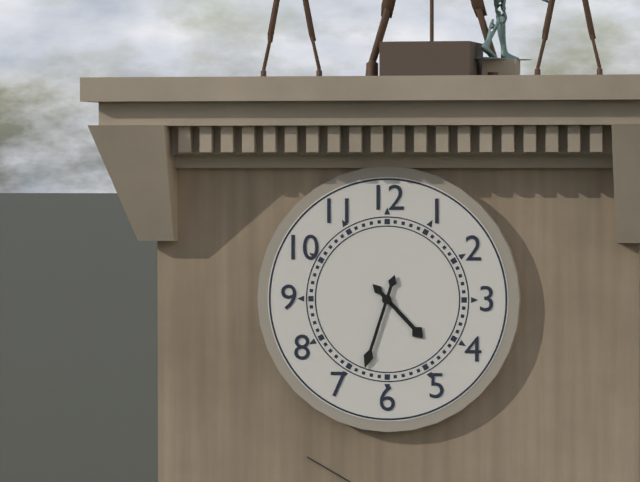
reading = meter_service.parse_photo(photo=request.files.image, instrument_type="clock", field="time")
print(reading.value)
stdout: 4:33
